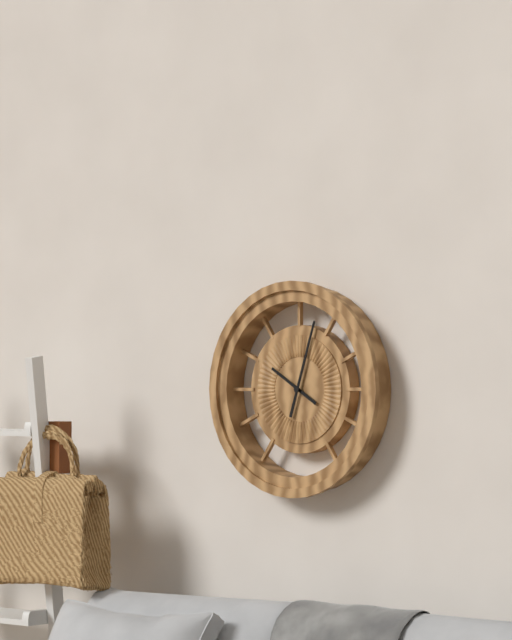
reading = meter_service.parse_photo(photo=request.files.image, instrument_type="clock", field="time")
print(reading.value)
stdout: 10:03
